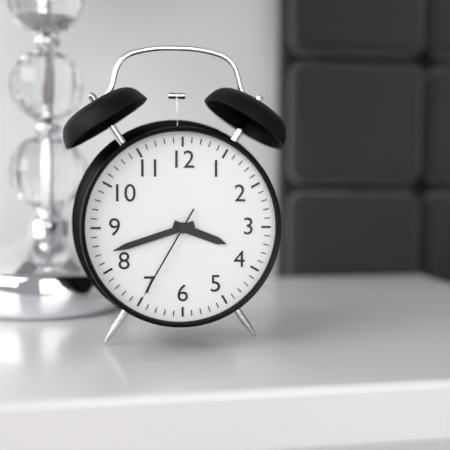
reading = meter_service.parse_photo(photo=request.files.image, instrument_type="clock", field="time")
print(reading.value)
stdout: 3:42:35
